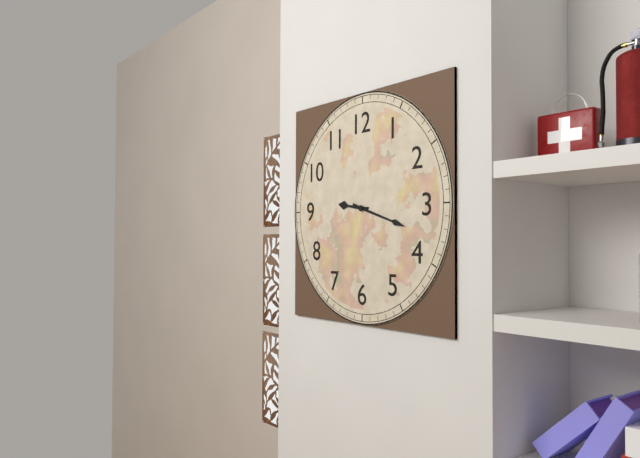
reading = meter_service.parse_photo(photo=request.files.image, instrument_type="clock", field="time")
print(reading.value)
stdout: 9:18
